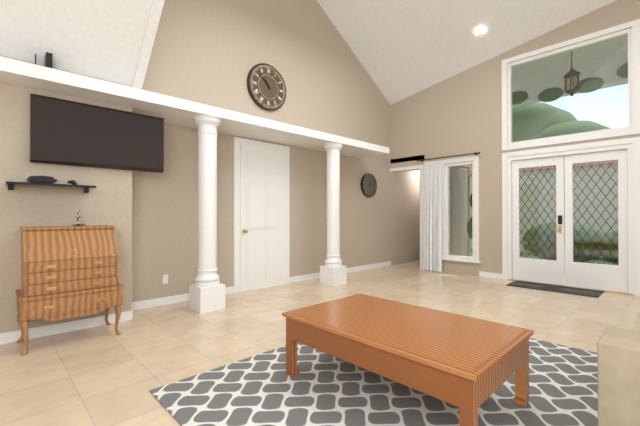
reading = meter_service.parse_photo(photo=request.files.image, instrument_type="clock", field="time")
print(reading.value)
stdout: 10:52
